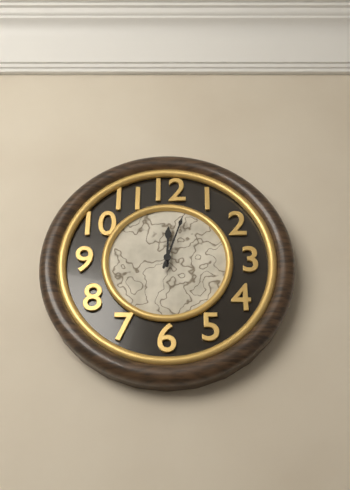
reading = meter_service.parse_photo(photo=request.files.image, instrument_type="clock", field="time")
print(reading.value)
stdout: 12:03
